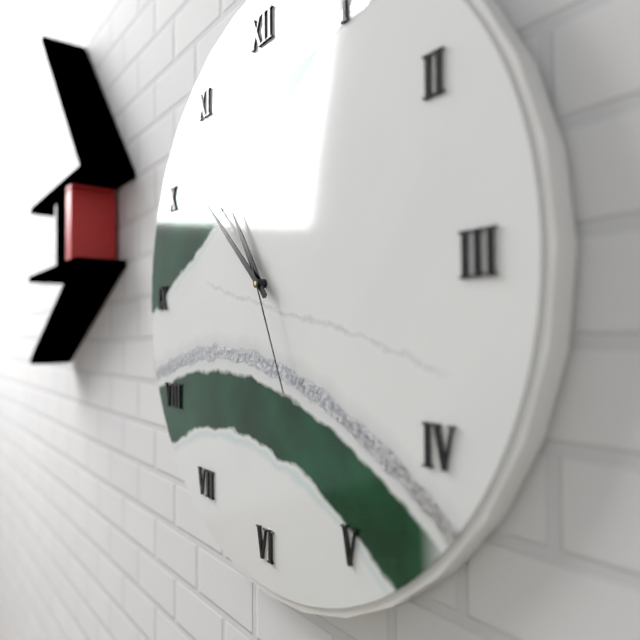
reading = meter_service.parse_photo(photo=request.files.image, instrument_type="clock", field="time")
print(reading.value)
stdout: 10:52:26
